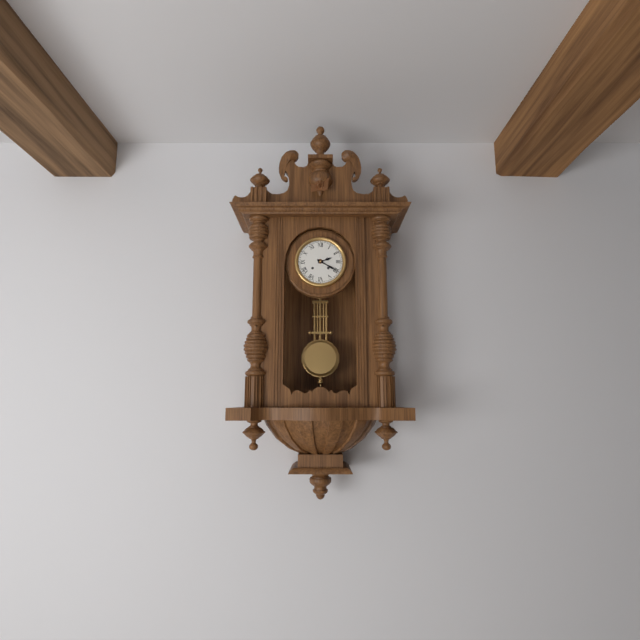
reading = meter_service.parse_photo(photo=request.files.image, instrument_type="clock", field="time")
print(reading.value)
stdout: 2:20
